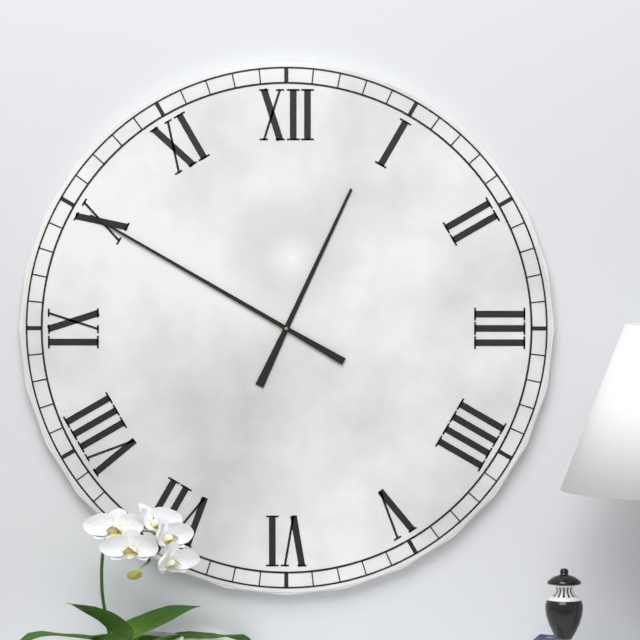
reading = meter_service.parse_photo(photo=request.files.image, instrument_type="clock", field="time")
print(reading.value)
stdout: 12:50
